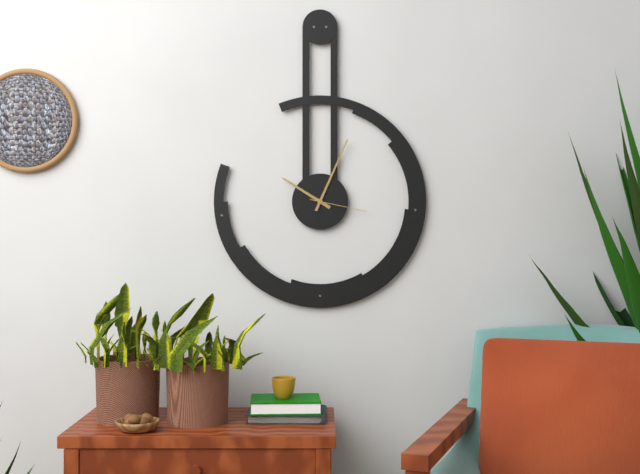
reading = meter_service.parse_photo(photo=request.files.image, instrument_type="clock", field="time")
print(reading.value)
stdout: 10:04:17
